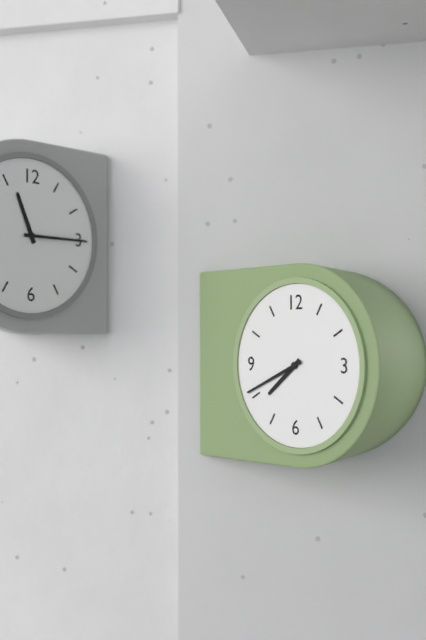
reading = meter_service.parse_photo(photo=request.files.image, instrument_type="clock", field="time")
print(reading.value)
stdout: 7:41
